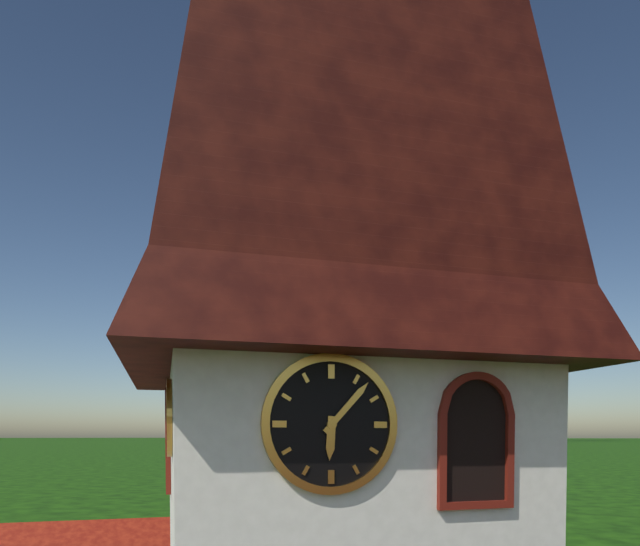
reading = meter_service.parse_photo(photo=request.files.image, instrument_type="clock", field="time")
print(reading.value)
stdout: 6:07
